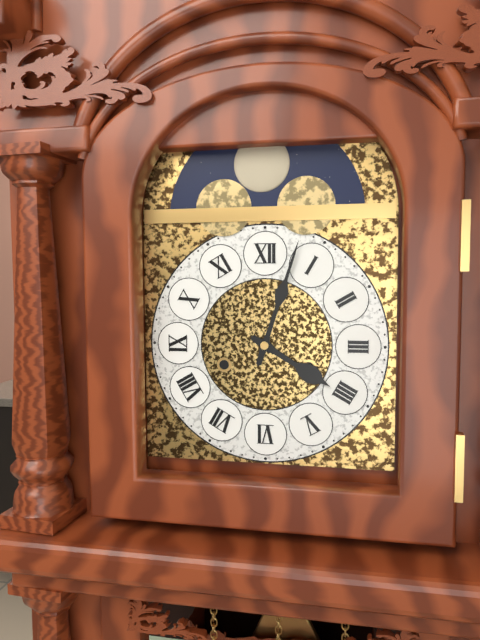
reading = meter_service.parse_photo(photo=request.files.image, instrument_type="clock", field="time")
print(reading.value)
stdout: 4:03
